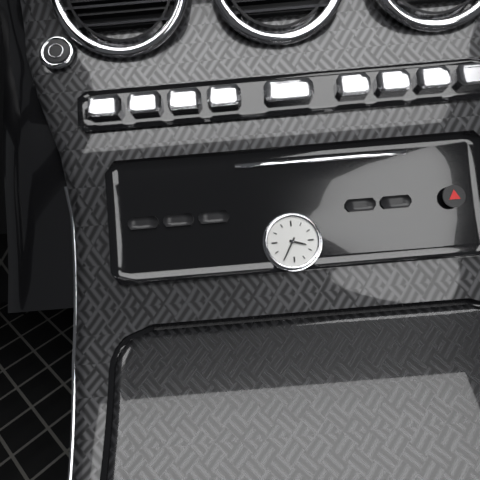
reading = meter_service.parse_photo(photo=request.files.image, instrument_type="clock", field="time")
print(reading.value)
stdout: 3:35
